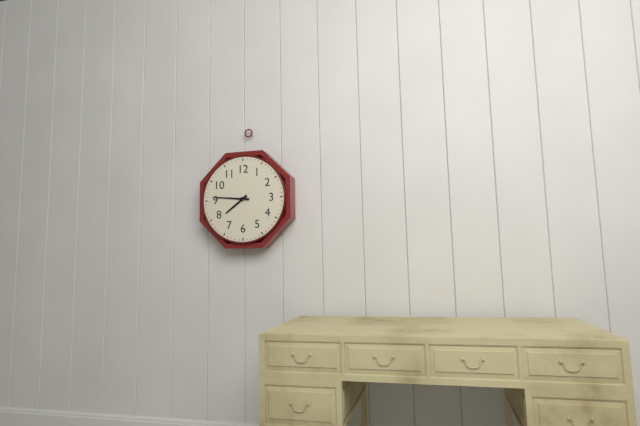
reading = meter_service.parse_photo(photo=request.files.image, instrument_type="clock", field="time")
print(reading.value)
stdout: 7:46
